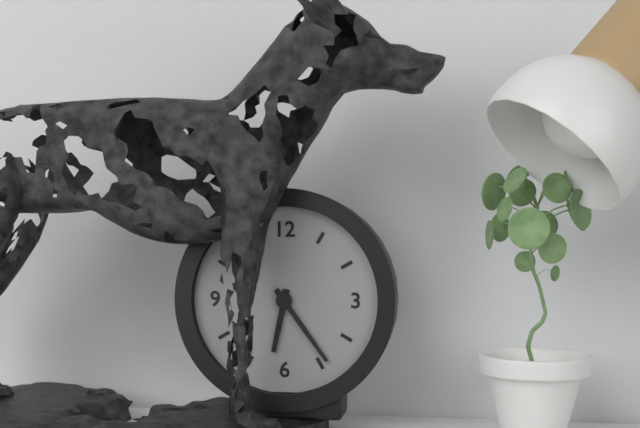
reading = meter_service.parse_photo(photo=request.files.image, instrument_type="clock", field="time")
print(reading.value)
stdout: 6:24
